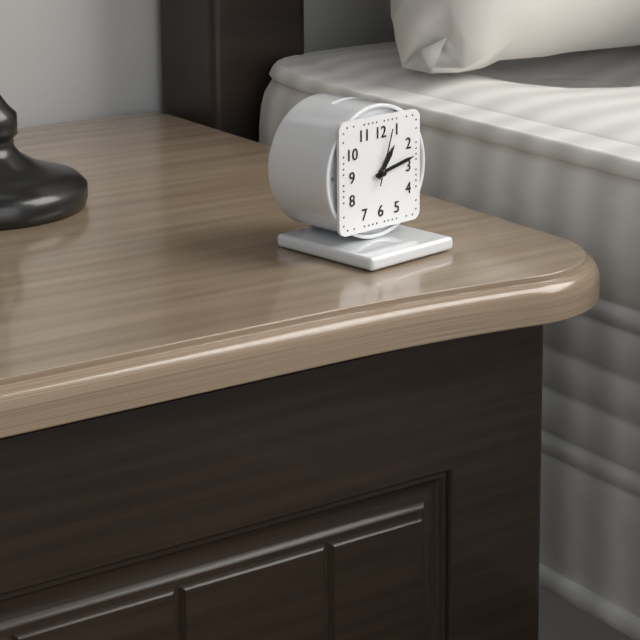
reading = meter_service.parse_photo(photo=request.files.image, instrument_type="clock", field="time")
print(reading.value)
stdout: 1:13:03
